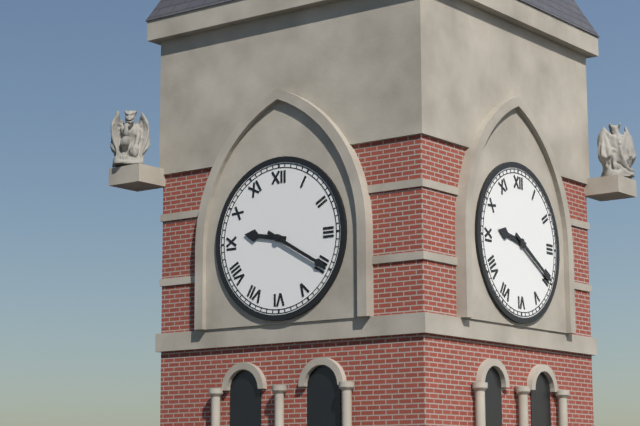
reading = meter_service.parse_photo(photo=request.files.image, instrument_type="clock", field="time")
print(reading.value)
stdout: 9:20
